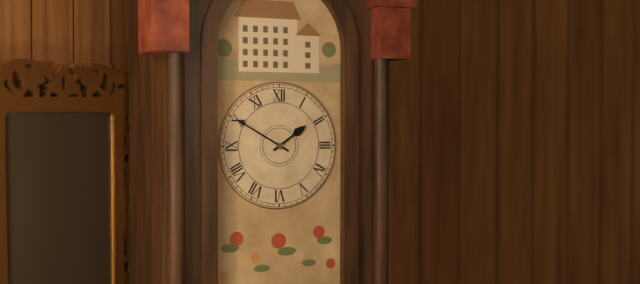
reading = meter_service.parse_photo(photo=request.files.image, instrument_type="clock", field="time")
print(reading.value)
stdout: 1:50
